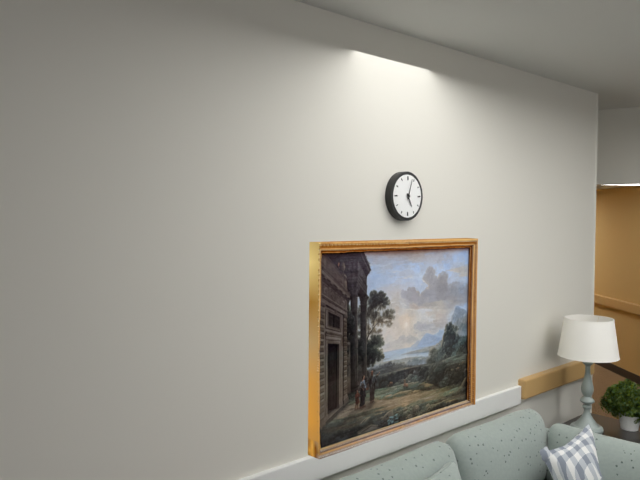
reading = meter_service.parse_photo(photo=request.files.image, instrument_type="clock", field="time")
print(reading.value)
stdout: 5:03
